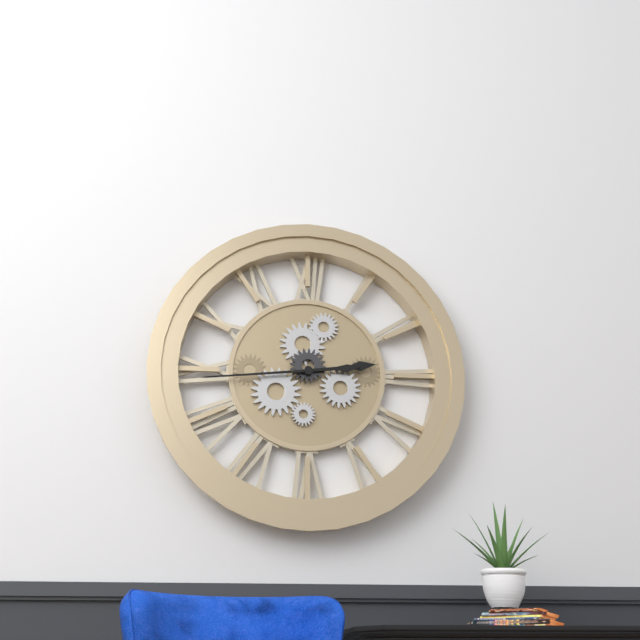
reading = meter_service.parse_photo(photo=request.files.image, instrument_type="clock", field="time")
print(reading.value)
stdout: 2:44
